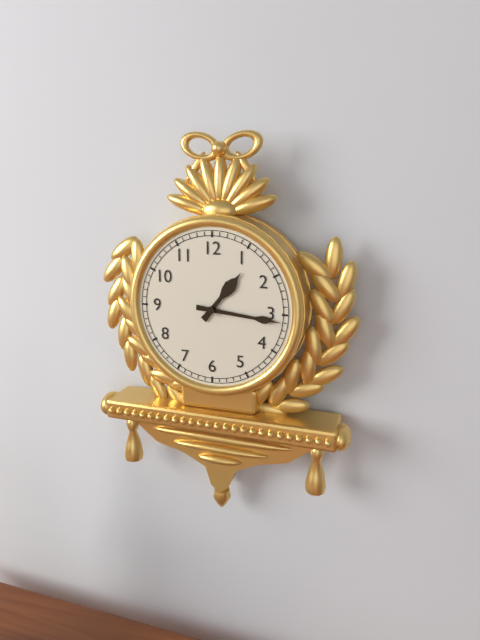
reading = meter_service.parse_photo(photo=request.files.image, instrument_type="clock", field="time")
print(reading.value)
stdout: 1:16
